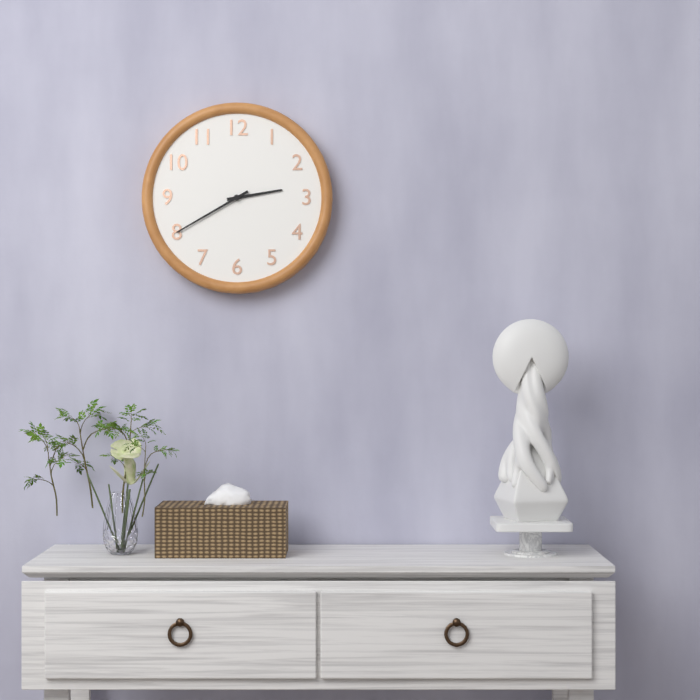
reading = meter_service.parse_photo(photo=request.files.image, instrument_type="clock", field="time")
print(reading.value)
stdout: 2:40
